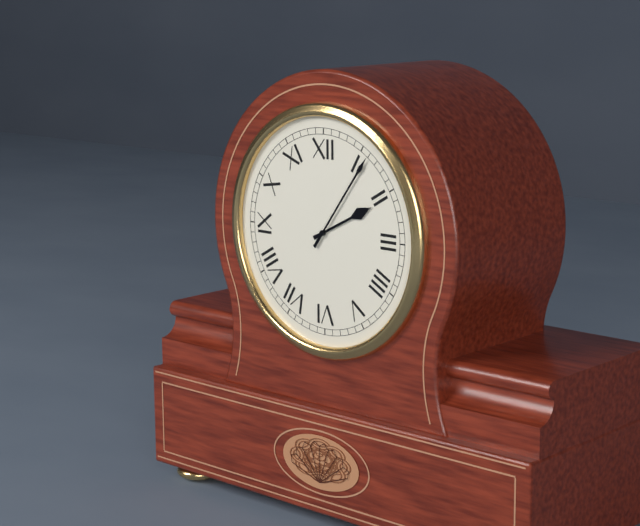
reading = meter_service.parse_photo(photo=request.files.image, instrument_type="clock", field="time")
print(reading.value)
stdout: 2:06
